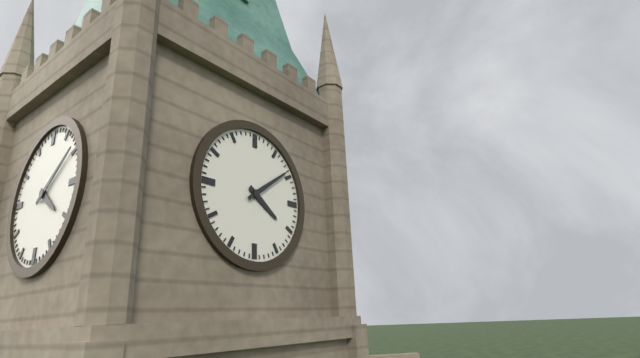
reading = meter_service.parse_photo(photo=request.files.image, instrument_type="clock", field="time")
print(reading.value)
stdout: 4:09
